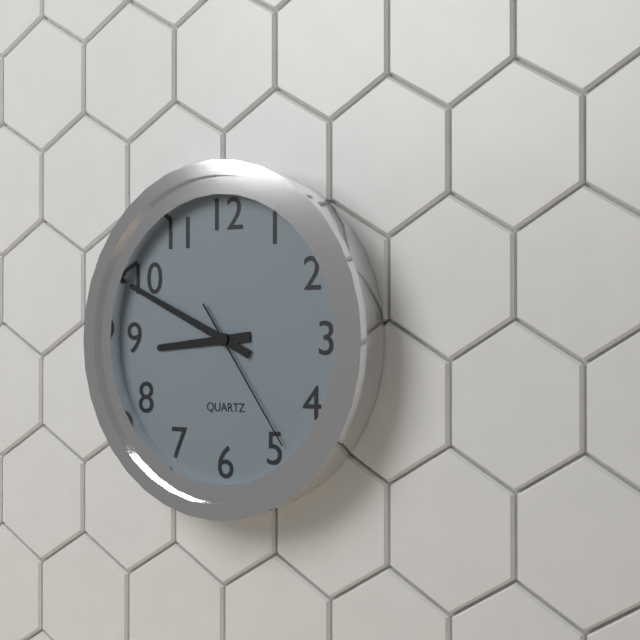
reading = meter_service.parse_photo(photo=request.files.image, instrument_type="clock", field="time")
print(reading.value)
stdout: 8:49:24
